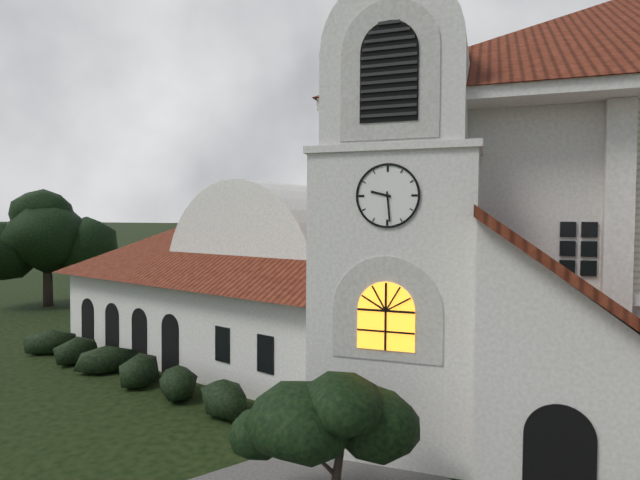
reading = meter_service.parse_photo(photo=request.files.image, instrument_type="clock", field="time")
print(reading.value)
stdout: 9:29
